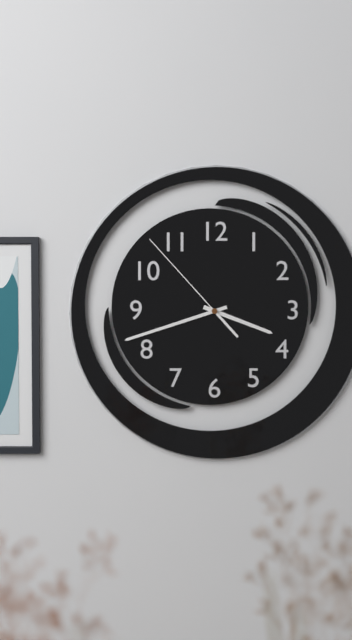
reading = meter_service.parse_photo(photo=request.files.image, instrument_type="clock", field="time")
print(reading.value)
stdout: 3:42:53
